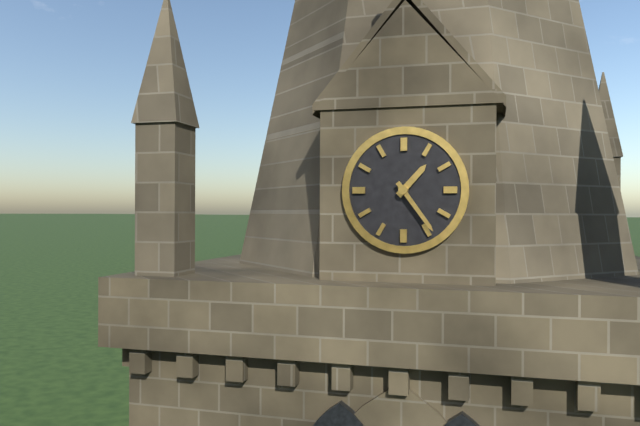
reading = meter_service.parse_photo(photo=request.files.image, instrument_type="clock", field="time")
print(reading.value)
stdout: 1:24
